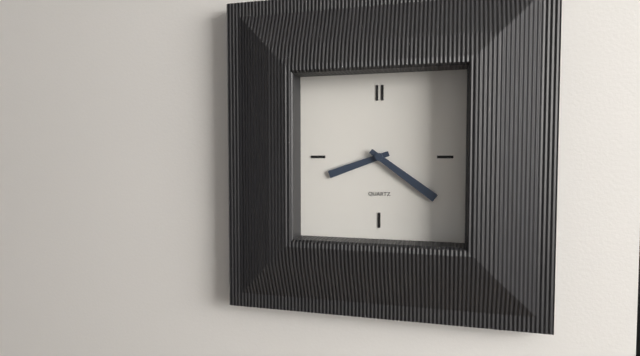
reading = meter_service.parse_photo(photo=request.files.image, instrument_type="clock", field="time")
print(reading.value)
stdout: 8:21
